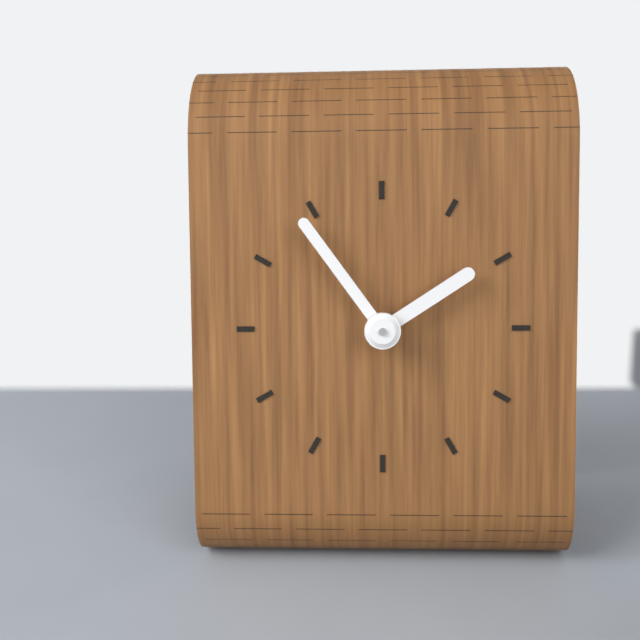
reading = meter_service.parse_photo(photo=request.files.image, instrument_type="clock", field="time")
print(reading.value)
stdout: 1:54
